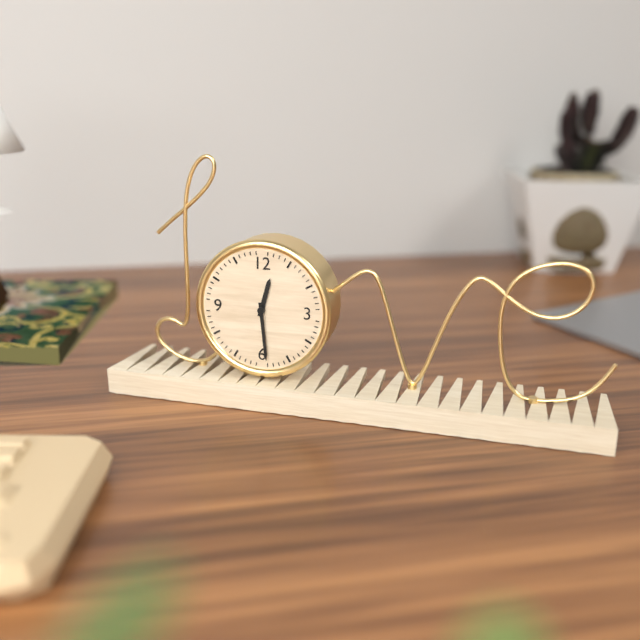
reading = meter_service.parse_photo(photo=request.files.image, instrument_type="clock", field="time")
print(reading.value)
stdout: 12:29
